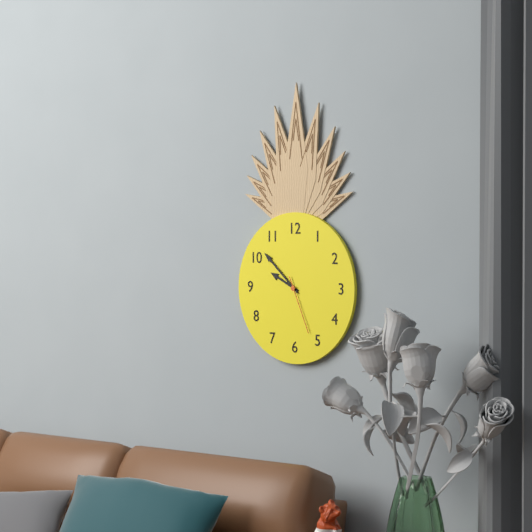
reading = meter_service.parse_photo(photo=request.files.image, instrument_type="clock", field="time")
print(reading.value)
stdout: 9:52:26
